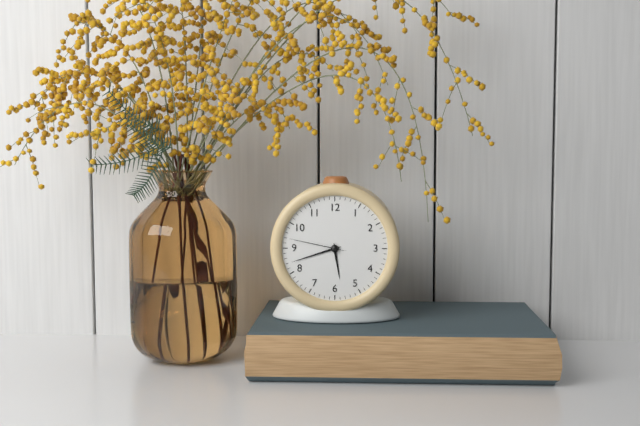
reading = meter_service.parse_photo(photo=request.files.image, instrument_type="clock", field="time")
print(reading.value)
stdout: 5:42:47
